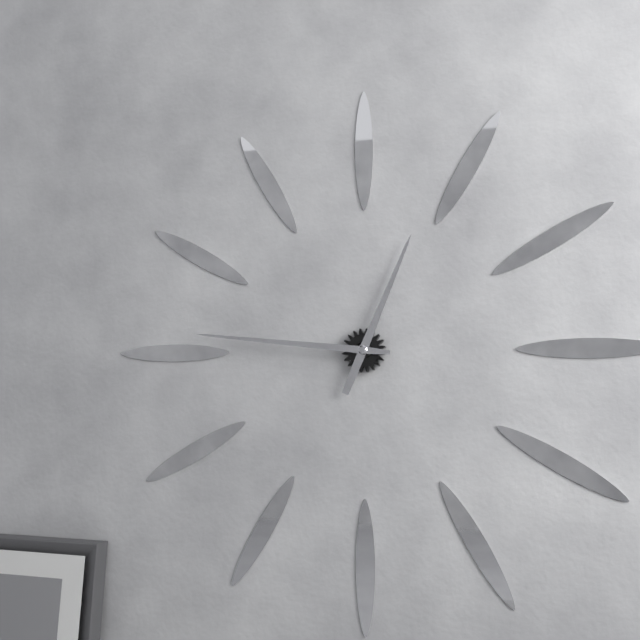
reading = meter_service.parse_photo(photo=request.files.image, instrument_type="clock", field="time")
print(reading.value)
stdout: 12:46
